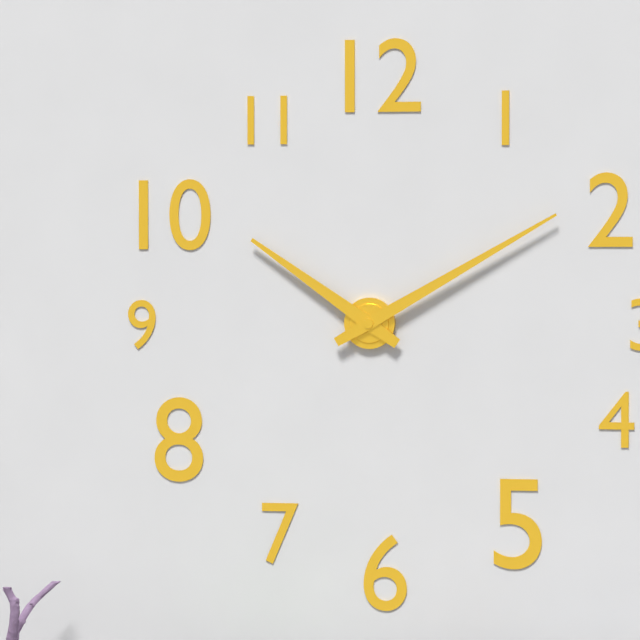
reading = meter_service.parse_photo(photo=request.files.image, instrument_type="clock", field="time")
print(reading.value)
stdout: 10:10
